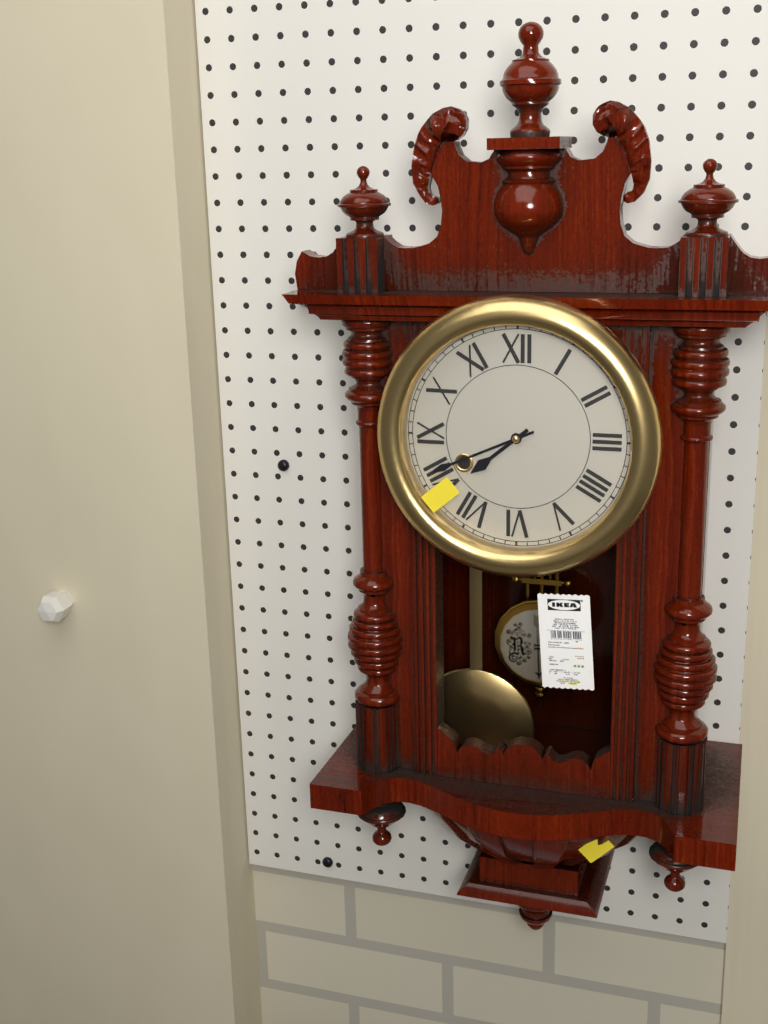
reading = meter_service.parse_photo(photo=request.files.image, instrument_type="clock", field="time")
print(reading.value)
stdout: 7:41
